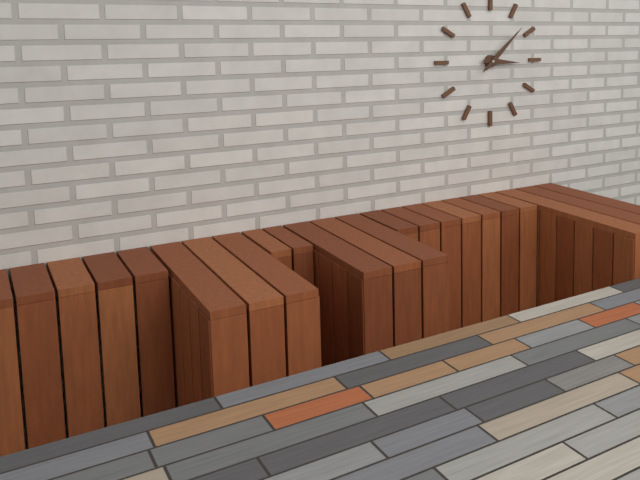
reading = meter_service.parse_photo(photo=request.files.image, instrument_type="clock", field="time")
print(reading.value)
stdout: 3:08
